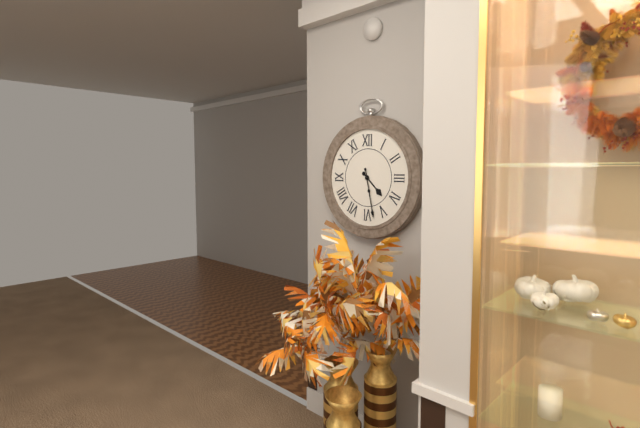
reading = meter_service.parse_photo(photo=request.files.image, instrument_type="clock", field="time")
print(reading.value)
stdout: 4:28
